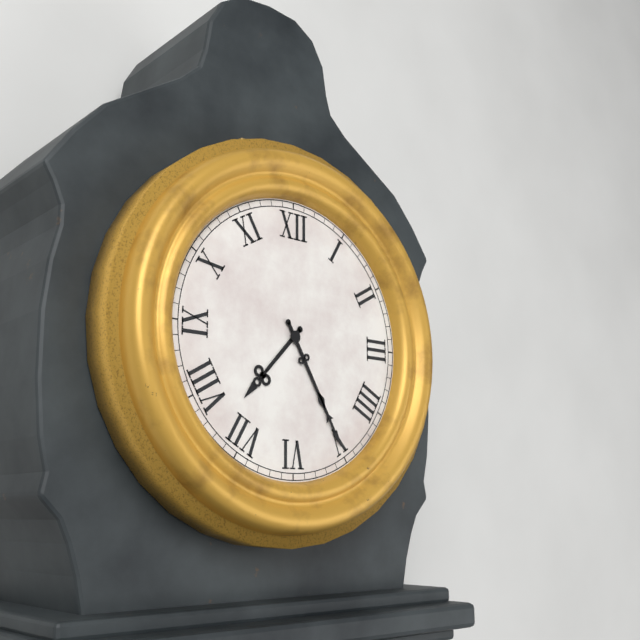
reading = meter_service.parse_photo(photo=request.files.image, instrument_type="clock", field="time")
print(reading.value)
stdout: 7:25
